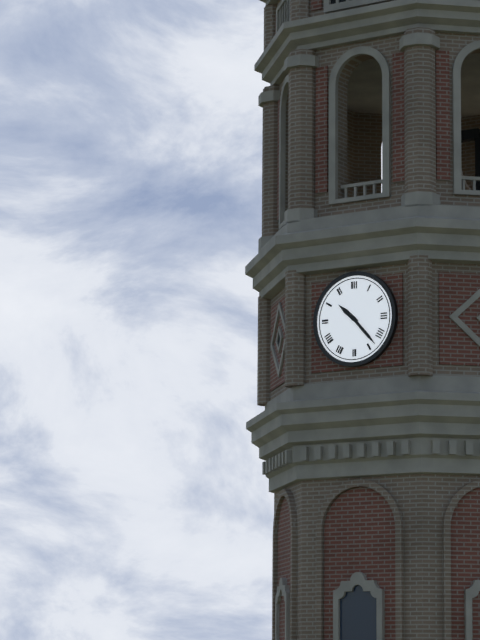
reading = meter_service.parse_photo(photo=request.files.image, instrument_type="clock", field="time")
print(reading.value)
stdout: 10:23
